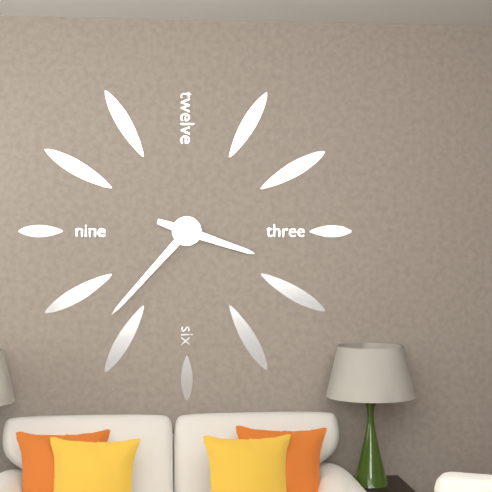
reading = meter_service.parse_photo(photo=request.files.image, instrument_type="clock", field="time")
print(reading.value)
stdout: 3:37
